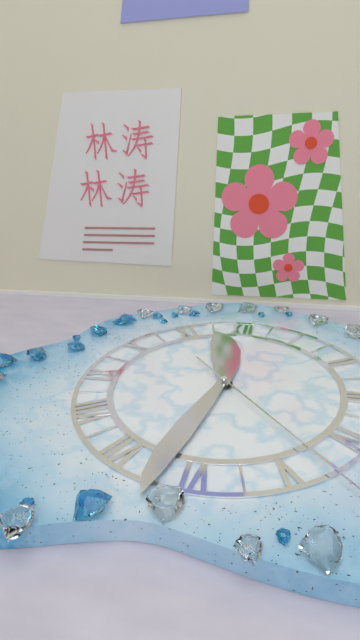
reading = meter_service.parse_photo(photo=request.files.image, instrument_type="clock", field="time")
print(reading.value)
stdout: 11:32
